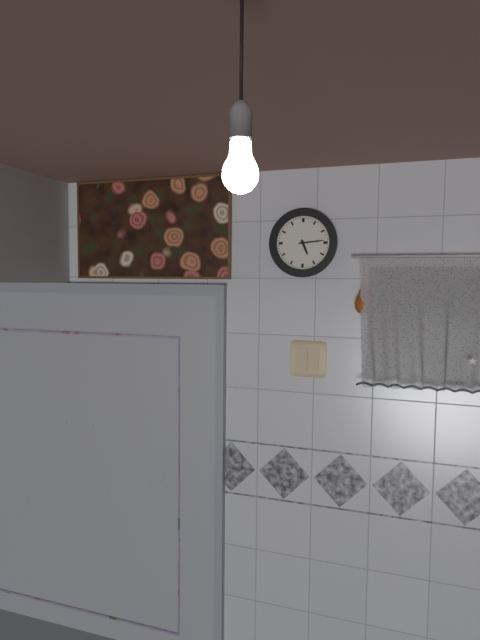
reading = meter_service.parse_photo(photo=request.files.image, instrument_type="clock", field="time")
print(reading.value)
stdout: 5:14
